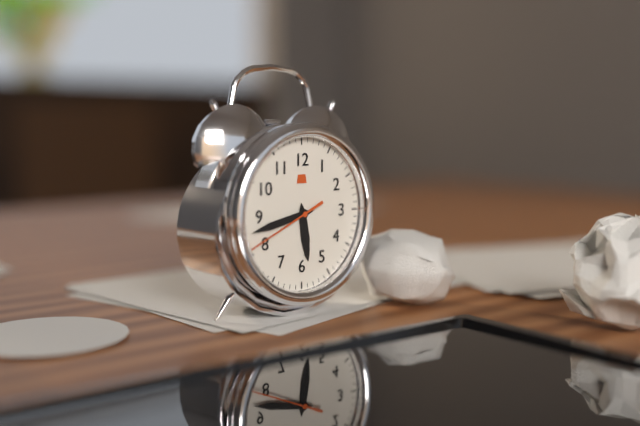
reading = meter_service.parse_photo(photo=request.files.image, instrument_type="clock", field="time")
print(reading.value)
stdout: 5:43:41
